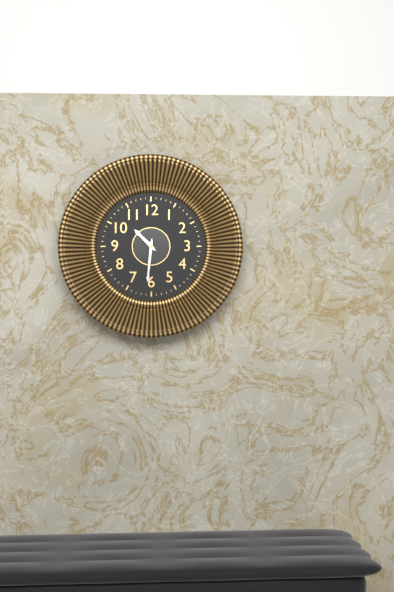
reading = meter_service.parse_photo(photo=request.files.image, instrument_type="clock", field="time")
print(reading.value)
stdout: 10:31
